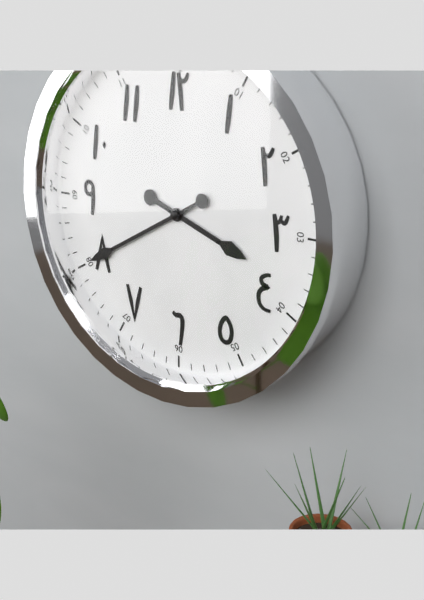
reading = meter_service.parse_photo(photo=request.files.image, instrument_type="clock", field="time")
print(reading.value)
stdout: 3:40
